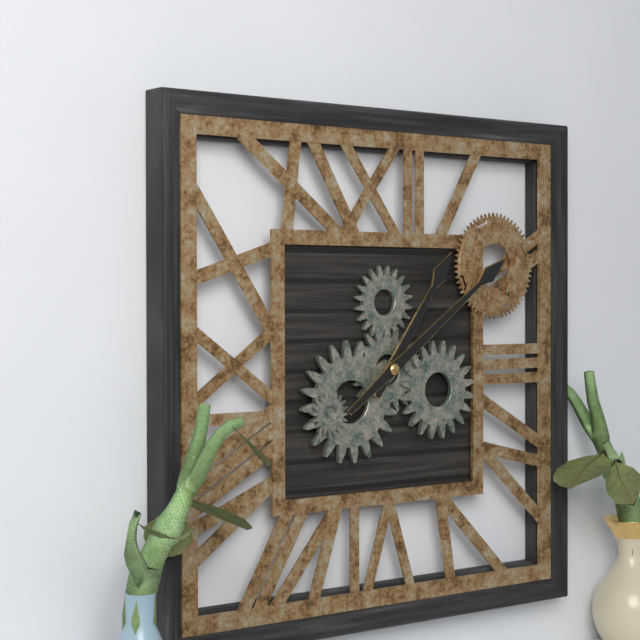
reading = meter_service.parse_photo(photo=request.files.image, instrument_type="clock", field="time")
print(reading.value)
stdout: 1:09
